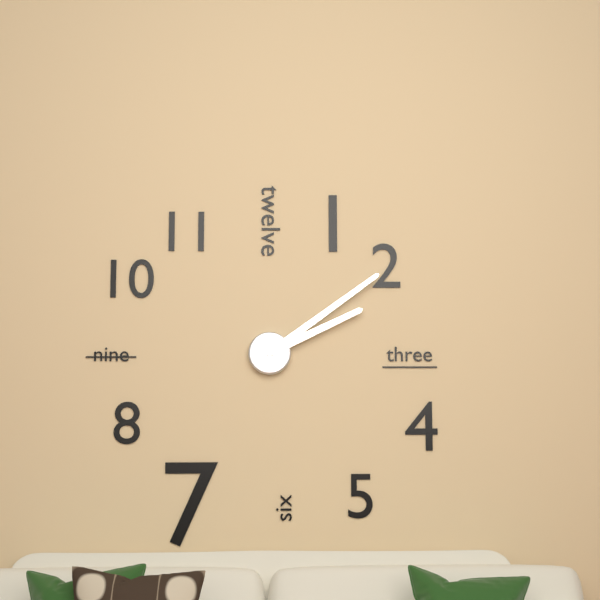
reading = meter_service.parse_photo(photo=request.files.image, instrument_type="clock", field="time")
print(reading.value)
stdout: 2:09
